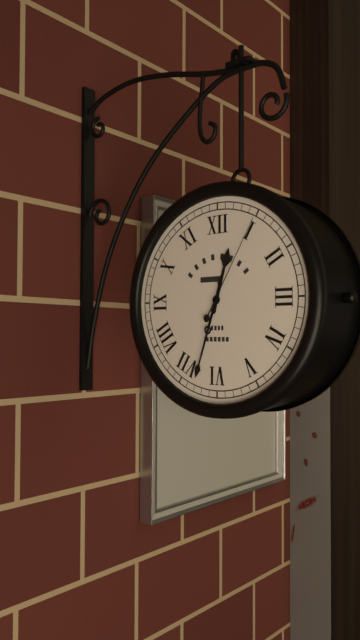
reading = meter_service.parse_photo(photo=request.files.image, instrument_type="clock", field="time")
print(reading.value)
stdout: 12:33:05
